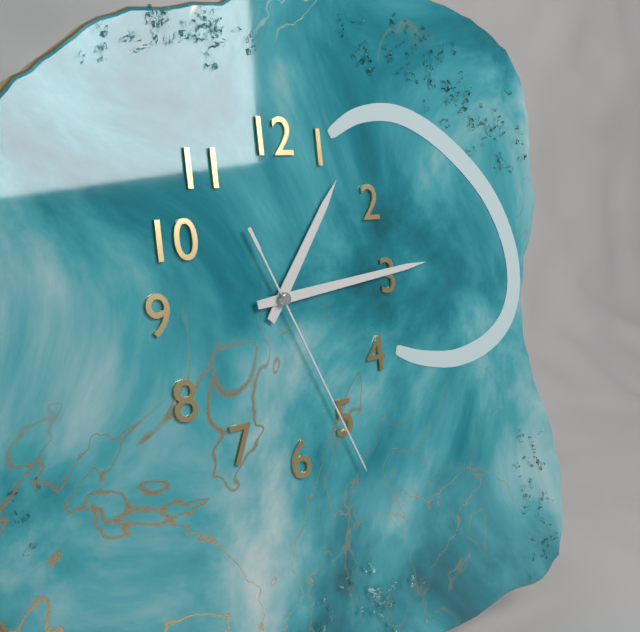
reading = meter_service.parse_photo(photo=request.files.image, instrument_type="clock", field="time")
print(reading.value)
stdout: 1:14:26
